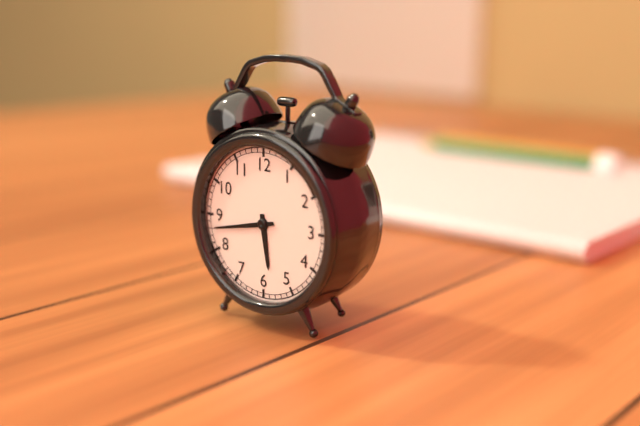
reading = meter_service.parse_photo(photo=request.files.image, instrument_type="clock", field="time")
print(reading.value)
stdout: 5:43
